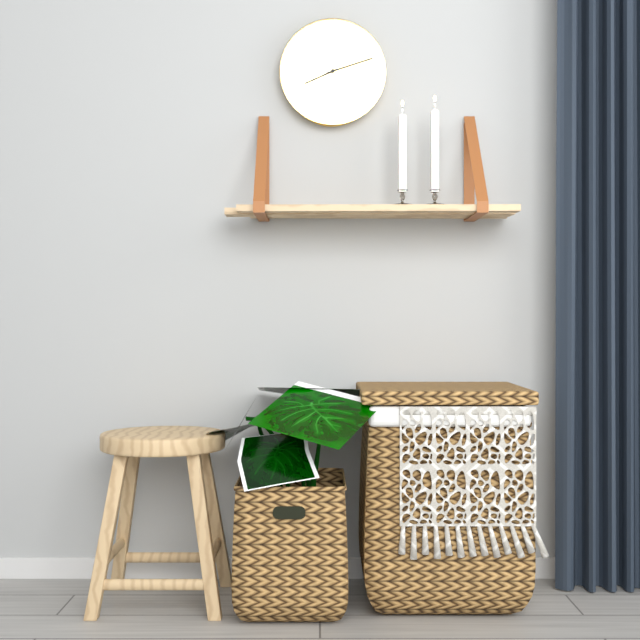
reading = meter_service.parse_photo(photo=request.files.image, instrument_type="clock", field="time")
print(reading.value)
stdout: 8:12
